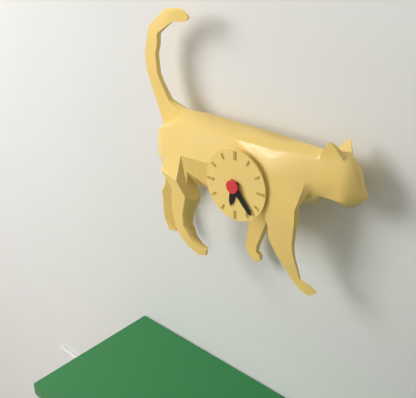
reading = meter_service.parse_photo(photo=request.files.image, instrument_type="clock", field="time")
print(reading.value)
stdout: 6:23
